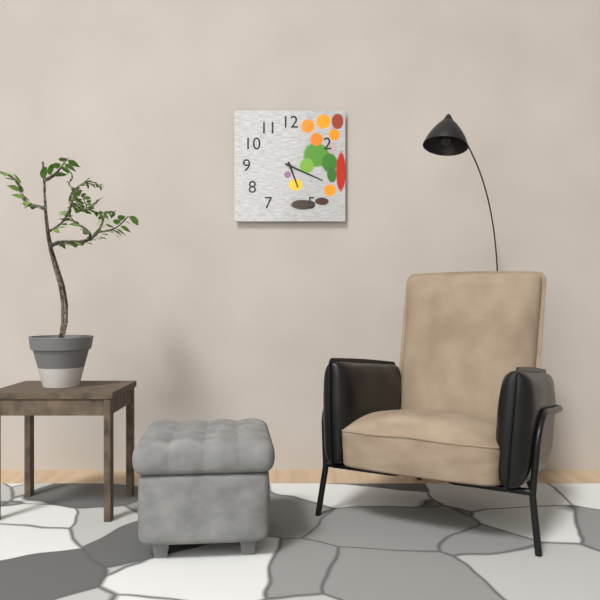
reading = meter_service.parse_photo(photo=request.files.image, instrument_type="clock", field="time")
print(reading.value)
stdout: 5:19
